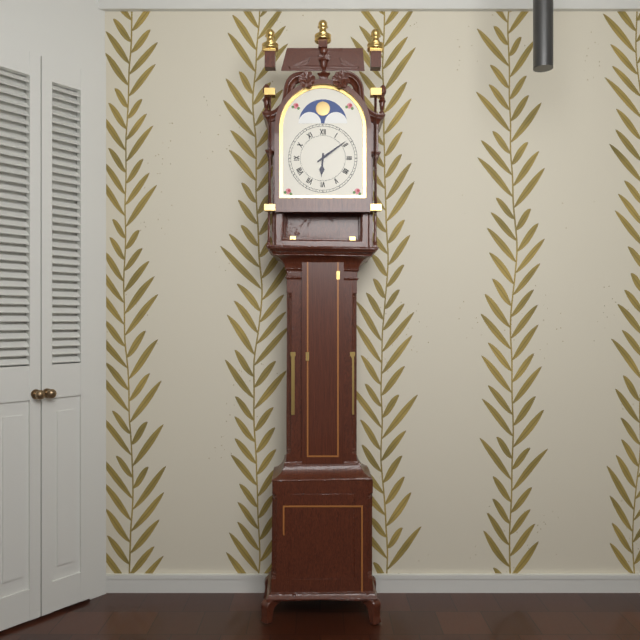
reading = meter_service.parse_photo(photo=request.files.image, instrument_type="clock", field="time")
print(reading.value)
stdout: 6:09
